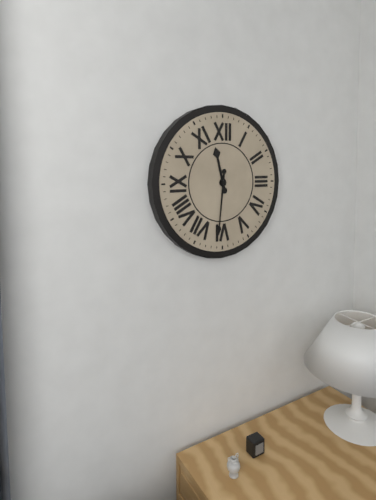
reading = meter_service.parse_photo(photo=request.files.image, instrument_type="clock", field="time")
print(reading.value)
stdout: 11:31
